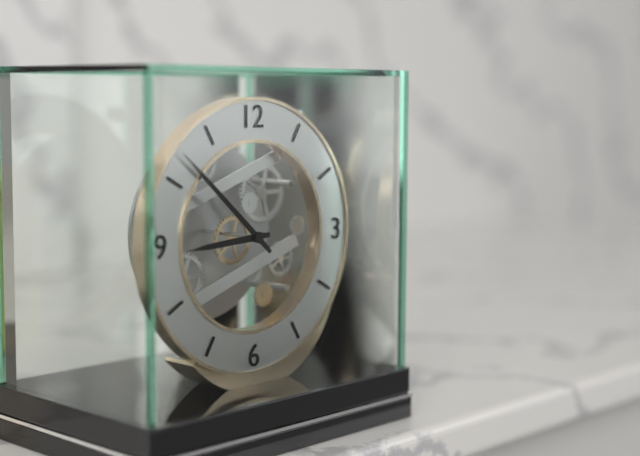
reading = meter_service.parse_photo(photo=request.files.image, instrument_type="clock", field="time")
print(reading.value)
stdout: 8:52
